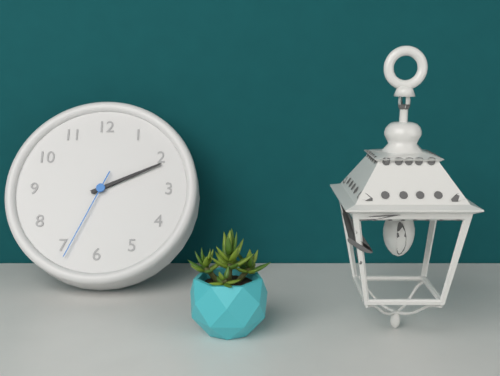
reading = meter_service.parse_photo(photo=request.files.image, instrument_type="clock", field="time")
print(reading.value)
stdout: 2:11:34
